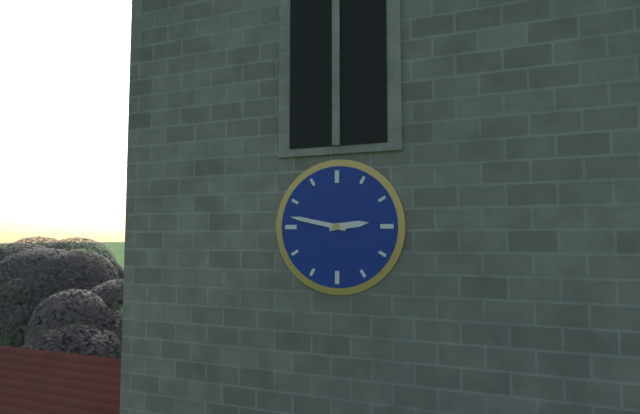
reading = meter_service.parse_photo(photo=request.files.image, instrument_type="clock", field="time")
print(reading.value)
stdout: 2:47
